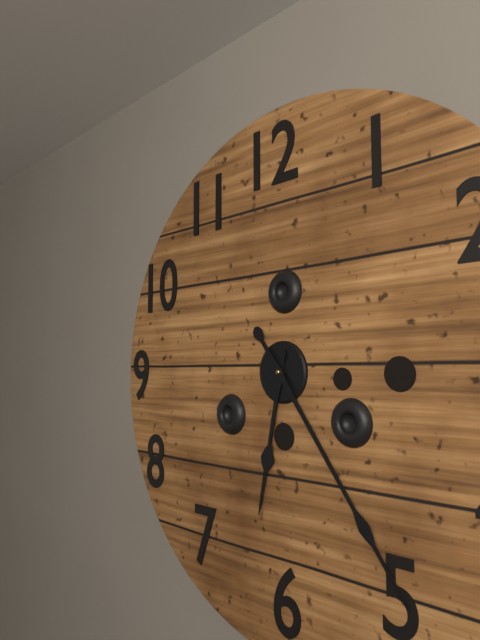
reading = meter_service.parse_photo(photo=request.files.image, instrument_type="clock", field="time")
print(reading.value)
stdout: 6:24
